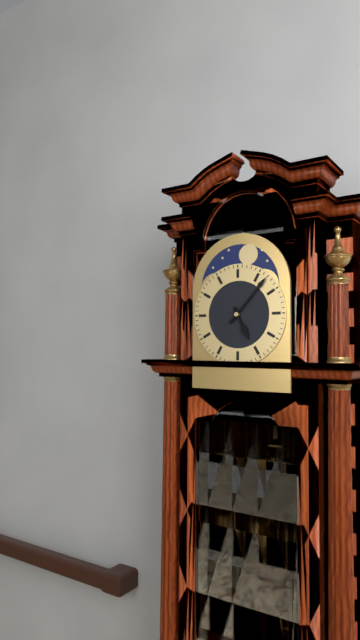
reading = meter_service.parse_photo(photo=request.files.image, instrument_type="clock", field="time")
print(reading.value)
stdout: 5:07
